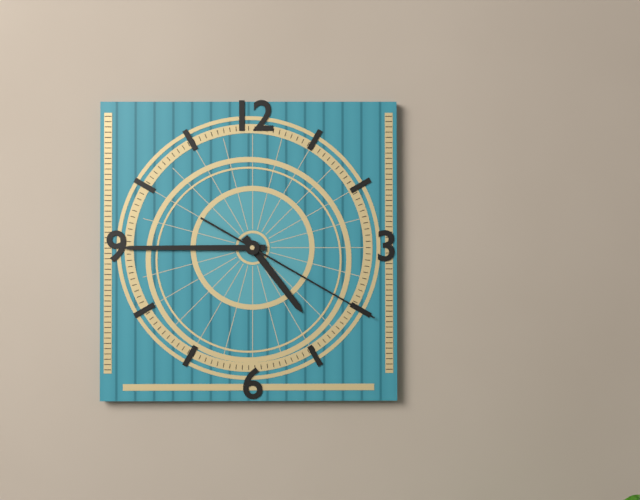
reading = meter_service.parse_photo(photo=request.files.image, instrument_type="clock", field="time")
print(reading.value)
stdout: 4:45:20
